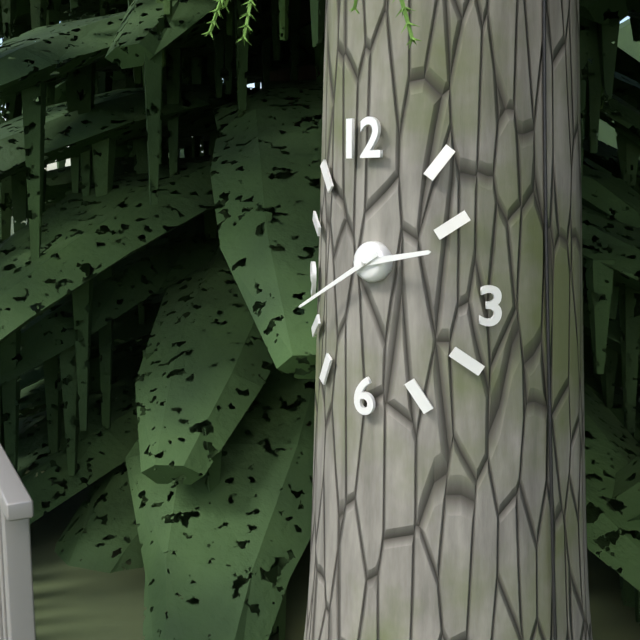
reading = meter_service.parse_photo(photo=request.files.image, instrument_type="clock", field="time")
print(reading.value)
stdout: 2:40
